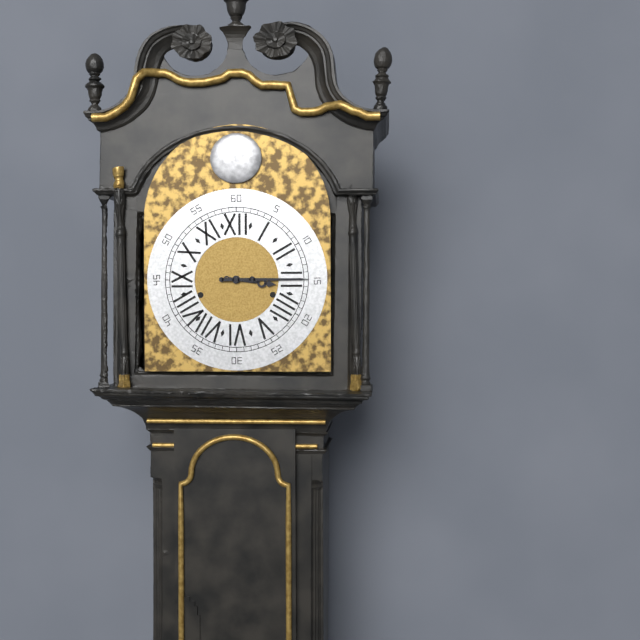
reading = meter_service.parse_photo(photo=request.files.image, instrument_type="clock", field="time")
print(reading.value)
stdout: 3:15
